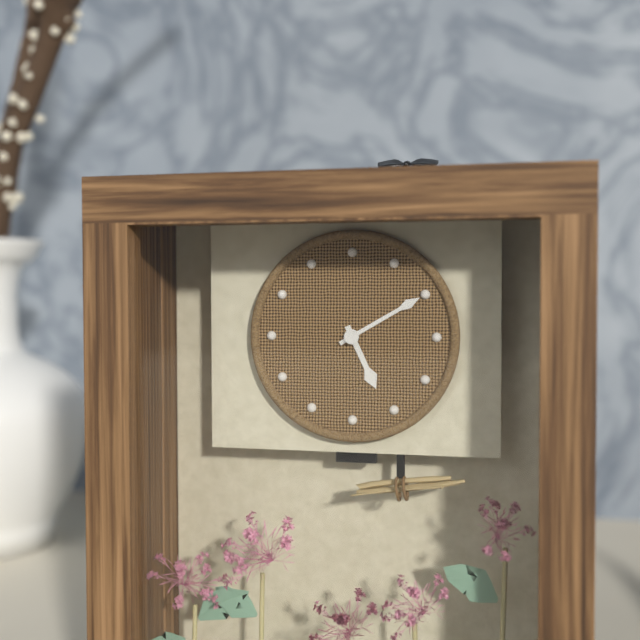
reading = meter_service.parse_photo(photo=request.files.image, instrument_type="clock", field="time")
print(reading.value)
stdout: 5:10
